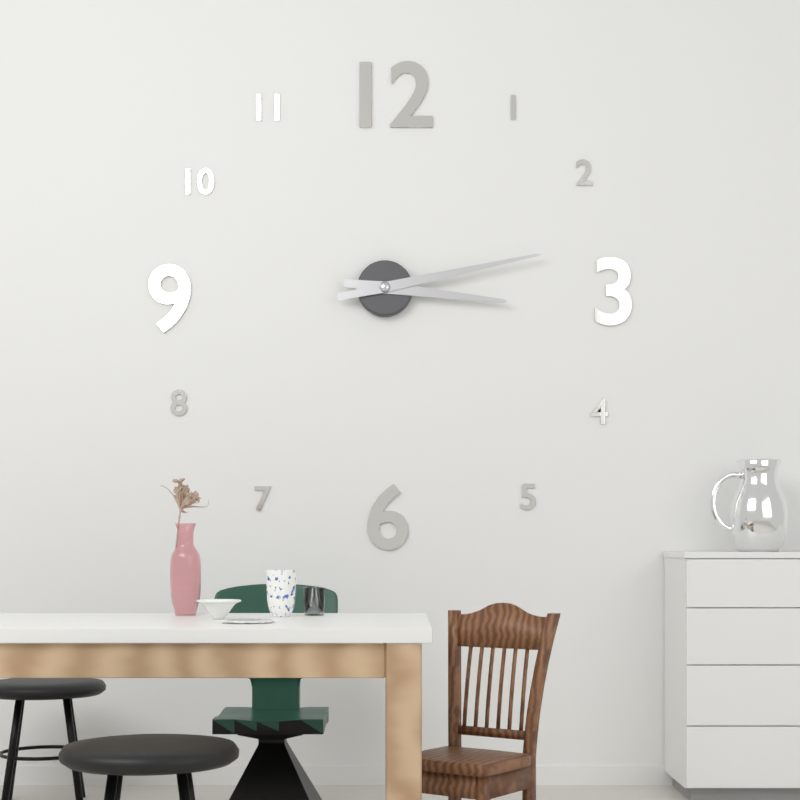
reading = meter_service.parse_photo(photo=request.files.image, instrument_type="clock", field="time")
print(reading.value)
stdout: 3:13
